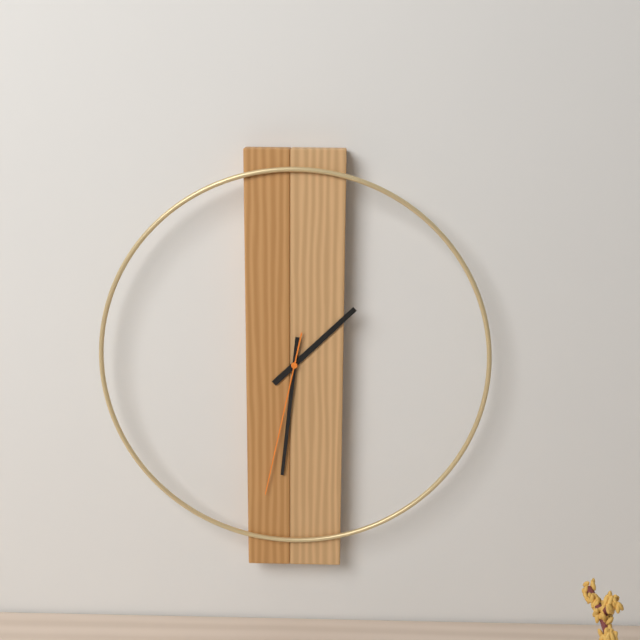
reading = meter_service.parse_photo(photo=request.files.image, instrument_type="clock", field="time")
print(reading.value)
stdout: 1:31:32
